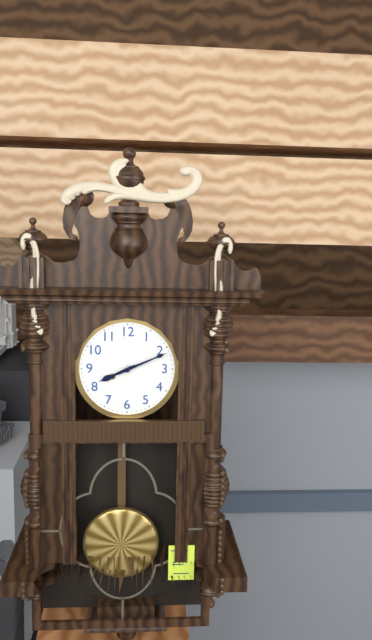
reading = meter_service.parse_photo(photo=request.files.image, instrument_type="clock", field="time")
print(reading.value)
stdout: 8:11
